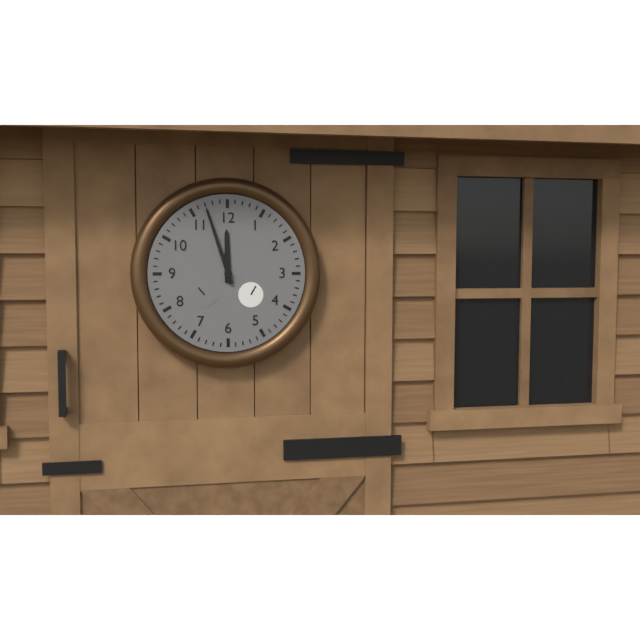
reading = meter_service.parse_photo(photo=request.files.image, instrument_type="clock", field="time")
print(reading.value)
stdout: 11:57
